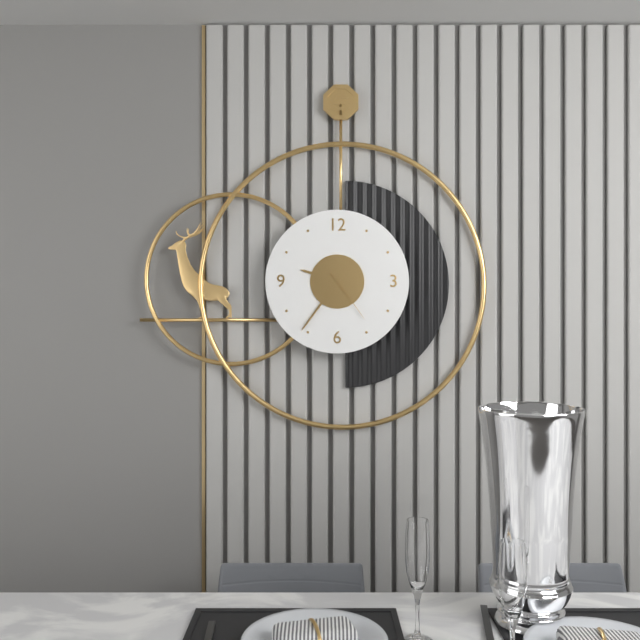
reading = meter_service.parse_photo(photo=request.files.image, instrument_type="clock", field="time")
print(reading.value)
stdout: 9:36:24
